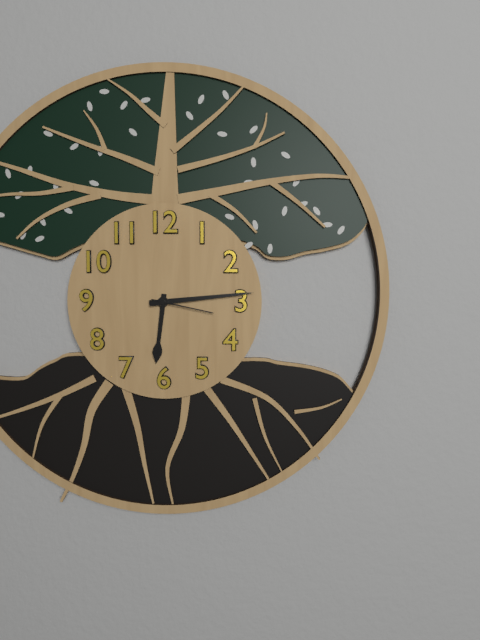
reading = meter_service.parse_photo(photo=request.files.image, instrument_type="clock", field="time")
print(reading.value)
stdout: 6:14:17
